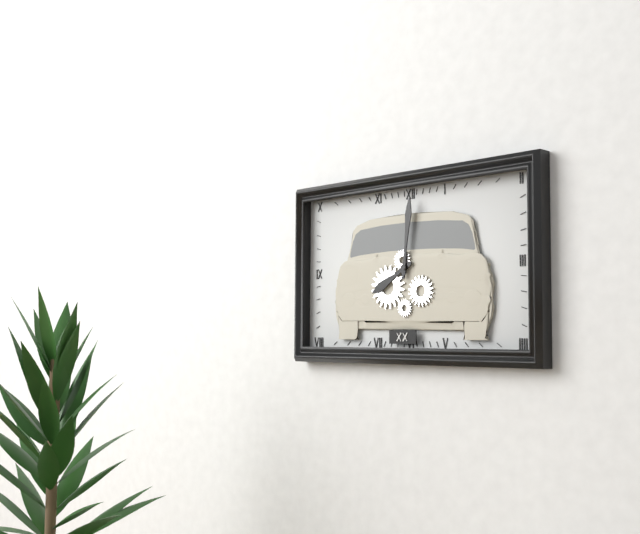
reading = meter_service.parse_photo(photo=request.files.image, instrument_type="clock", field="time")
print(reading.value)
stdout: 8:01
